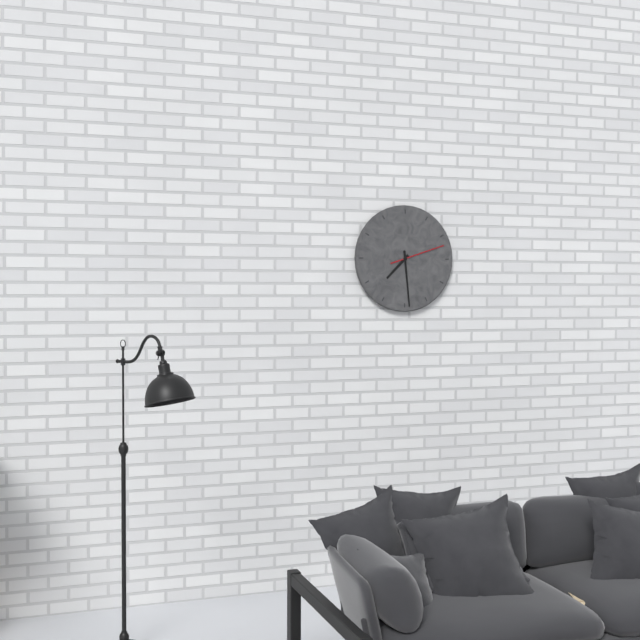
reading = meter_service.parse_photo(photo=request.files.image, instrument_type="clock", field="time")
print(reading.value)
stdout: 7:29:12
